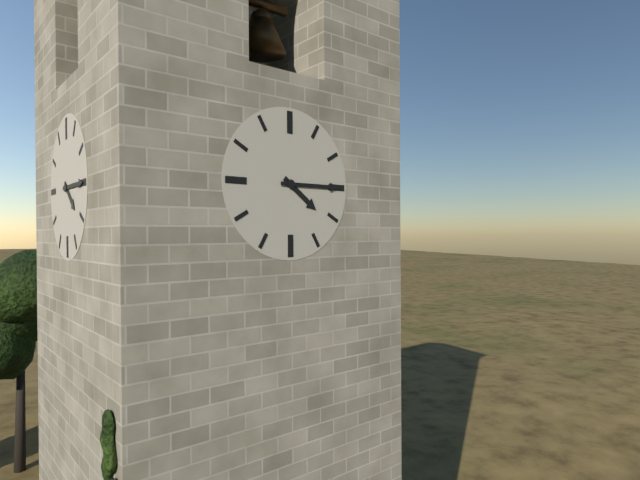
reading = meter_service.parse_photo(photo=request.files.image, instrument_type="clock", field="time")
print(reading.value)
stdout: 4:15
